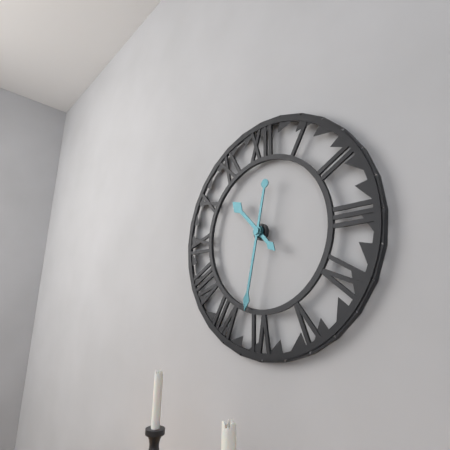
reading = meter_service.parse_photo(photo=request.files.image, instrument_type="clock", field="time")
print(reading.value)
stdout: 10:32
